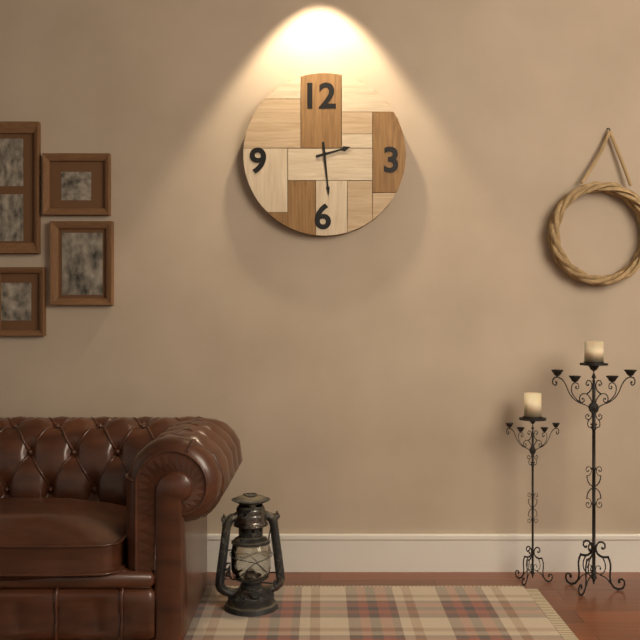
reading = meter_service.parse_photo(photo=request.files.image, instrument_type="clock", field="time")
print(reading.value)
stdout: 2:29
